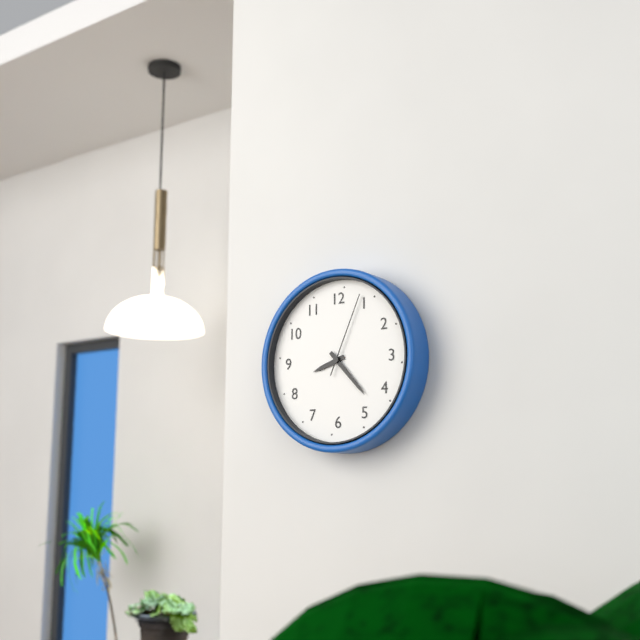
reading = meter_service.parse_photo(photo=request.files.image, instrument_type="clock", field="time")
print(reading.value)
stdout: 8:23:04
